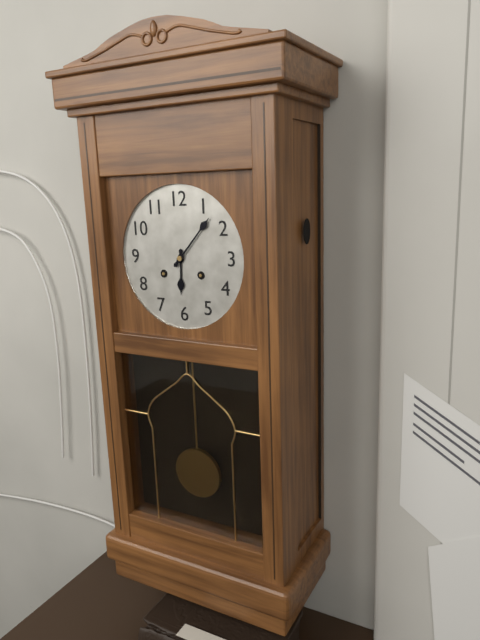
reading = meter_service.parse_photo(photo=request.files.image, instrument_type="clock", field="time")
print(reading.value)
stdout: 6:07
